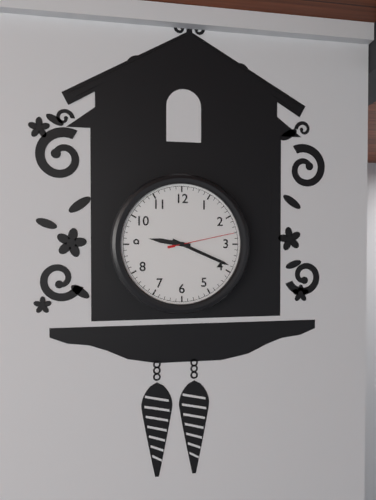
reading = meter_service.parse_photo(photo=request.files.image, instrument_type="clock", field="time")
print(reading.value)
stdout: 9:19:13
